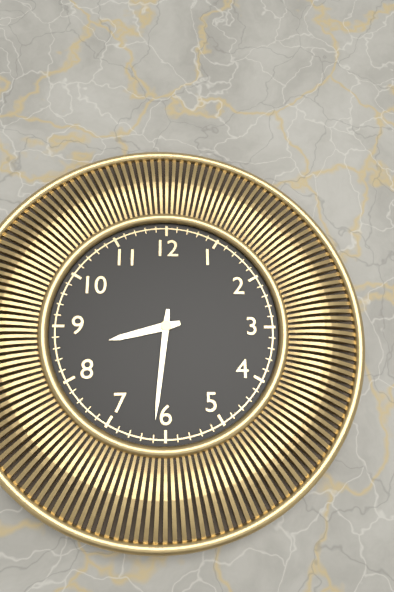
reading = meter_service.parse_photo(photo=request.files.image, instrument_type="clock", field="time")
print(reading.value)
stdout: 8:31
